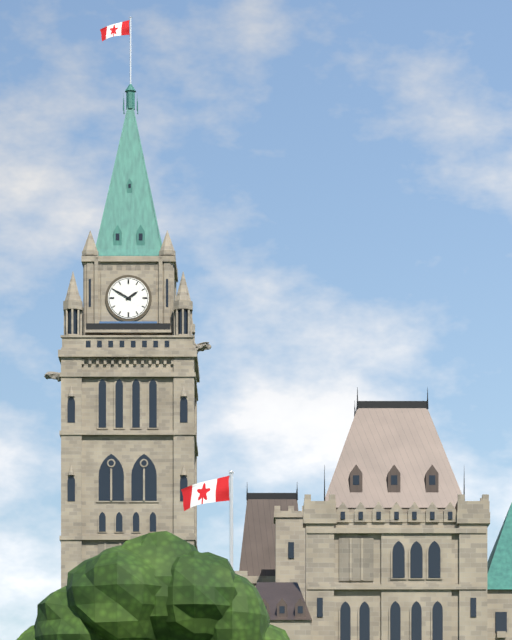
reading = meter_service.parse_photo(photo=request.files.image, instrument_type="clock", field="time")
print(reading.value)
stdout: 1:50
